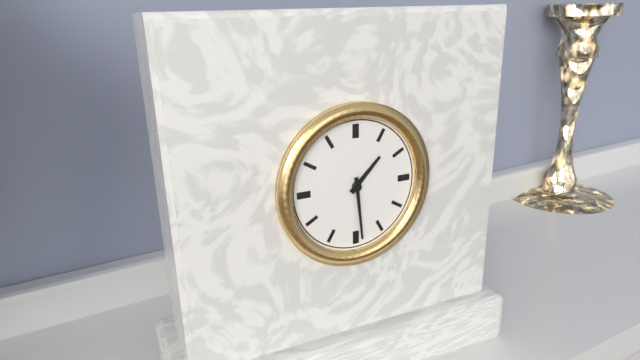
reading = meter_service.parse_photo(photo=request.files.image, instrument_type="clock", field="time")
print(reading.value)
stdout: 1:29
